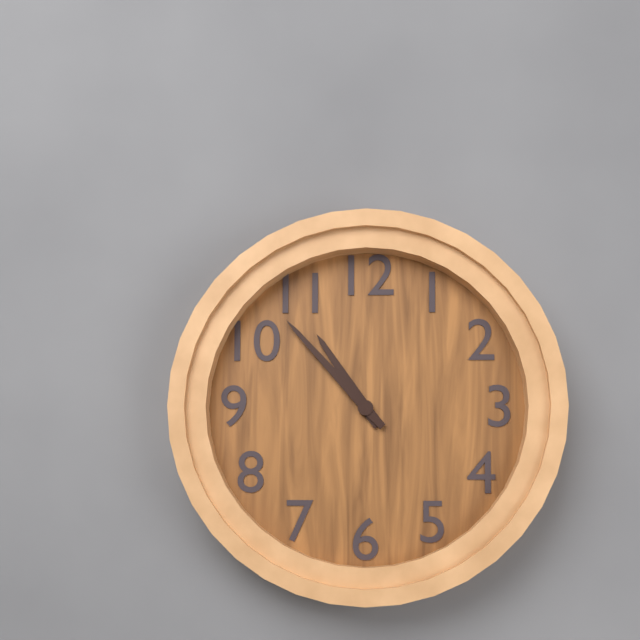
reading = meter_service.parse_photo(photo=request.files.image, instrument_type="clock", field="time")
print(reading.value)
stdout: 10:53
